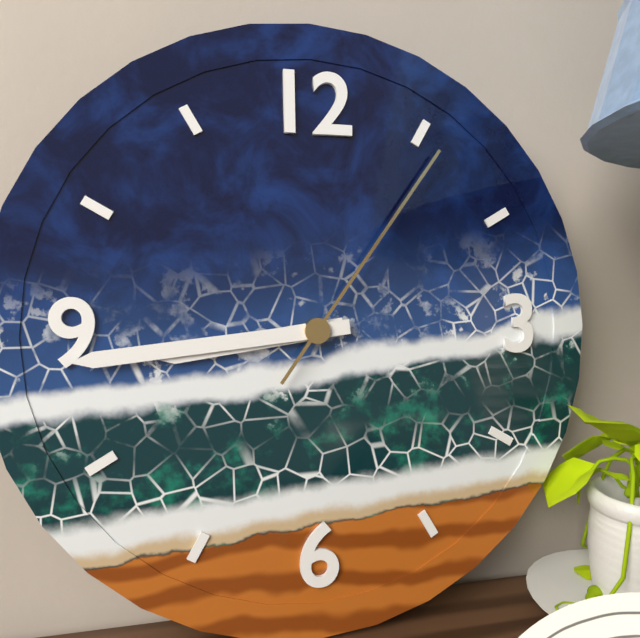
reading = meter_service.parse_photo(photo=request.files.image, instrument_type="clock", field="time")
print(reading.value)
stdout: 8:44:06
